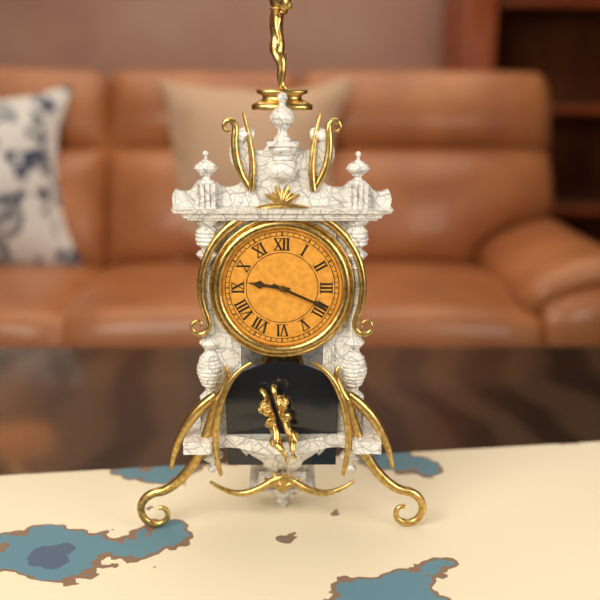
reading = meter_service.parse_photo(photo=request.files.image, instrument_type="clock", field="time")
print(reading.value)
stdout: 9:19
